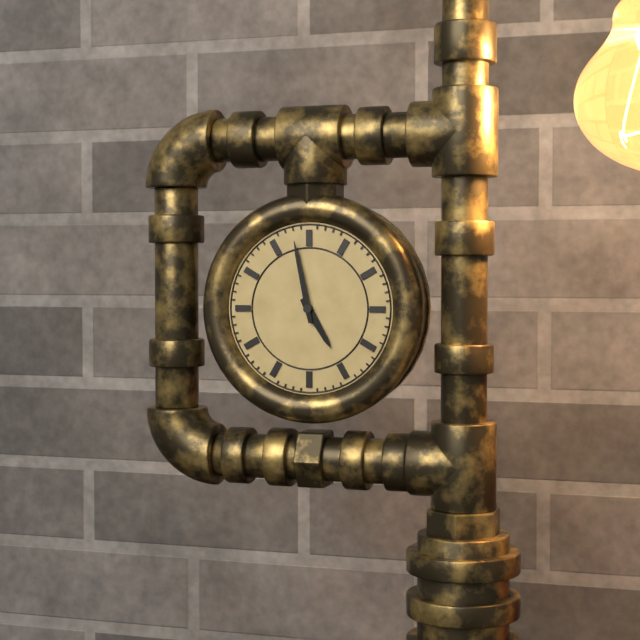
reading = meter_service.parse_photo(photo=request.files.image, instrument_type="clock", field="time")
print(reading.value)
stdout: 4:58
